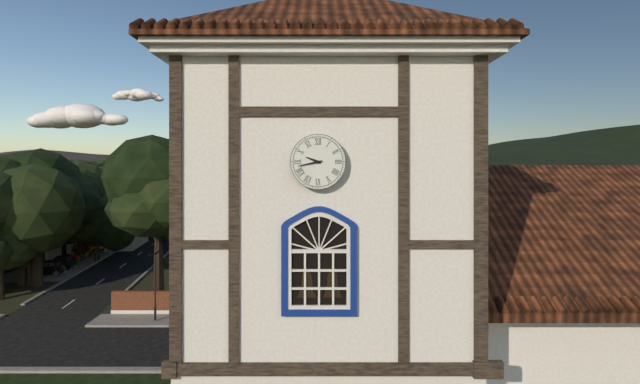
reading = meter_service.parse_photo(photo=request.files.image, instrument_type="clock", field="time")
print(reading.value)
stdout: 9:43
